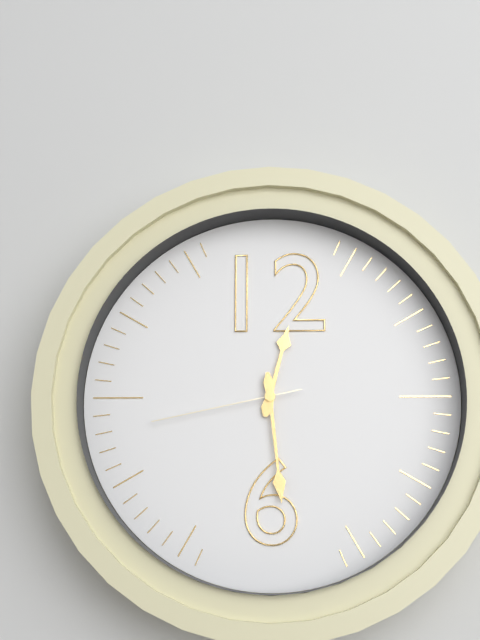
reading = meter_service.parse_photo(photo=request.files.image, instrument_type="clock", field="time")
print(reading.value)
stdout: 12:29:43
